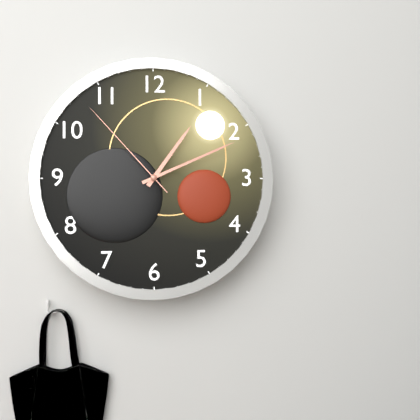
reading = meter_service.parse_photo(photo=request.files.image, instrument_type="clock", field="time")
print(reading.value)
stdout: 1:11:53
